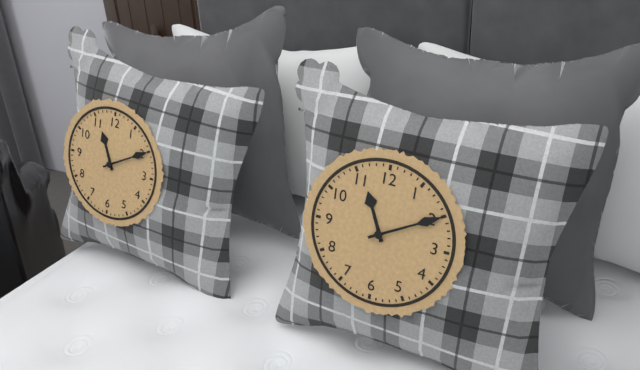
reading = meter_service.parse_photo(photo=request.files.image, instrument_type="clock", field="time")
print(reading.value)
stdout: 11:10
